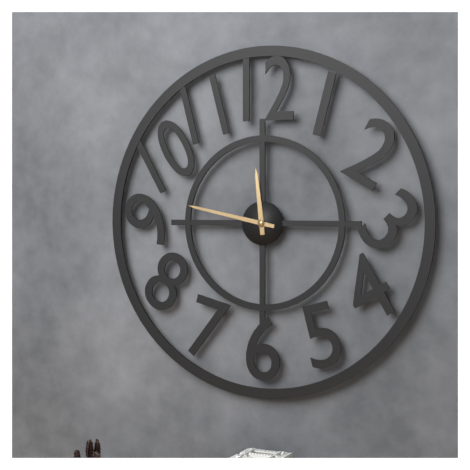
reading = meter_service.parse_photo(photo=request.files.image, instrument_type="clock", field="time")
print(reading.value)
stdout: 11:47
